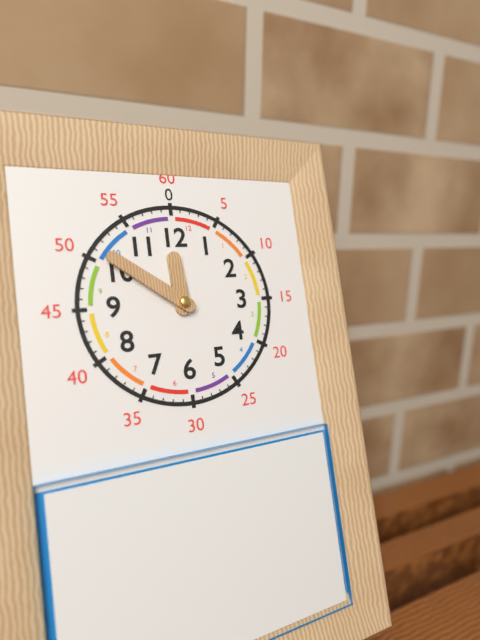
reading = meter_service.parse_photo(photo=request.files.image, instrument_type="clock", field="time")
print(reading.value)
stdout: 11:51
